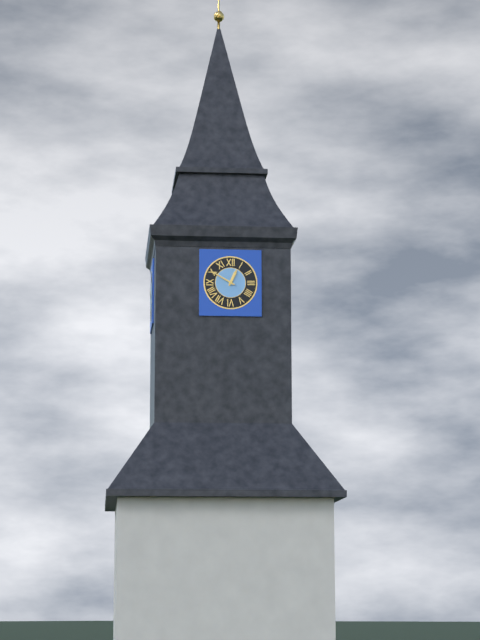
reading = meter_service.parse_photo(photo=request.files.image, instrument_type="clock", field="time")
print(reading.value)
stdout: 12:50
